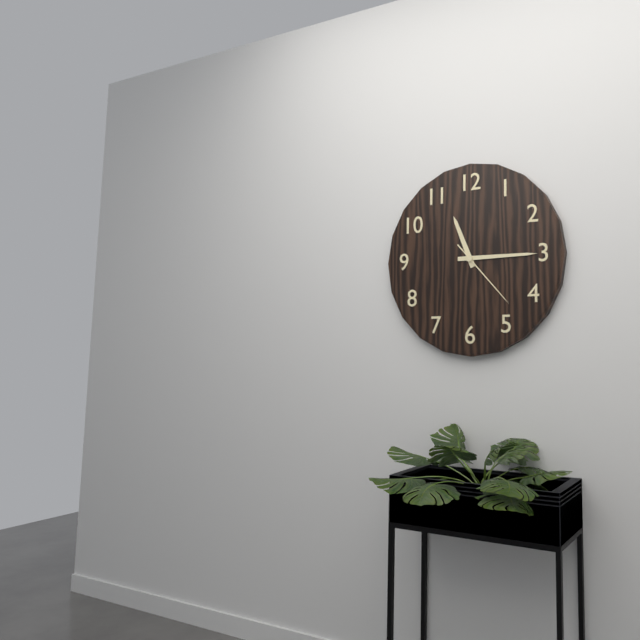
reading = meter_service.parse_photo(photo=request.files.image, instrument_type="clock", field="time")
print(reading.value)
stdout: 11:15:23
